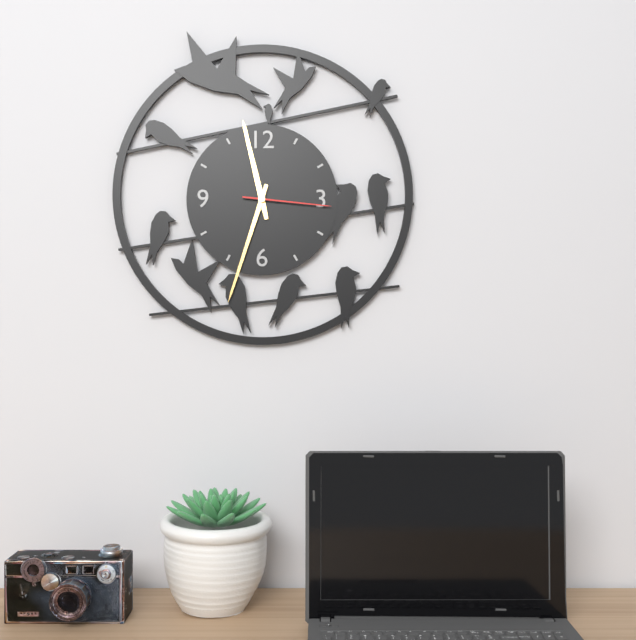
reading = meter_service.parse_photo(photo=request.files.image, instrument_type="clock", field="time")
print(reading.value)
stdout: 11:33:16
